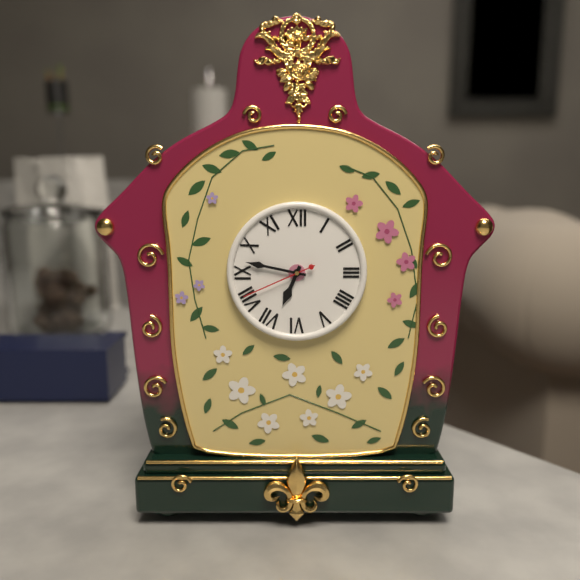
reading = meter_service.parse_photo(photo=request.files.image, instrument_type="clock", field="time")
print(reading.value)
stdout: 6:47:41
